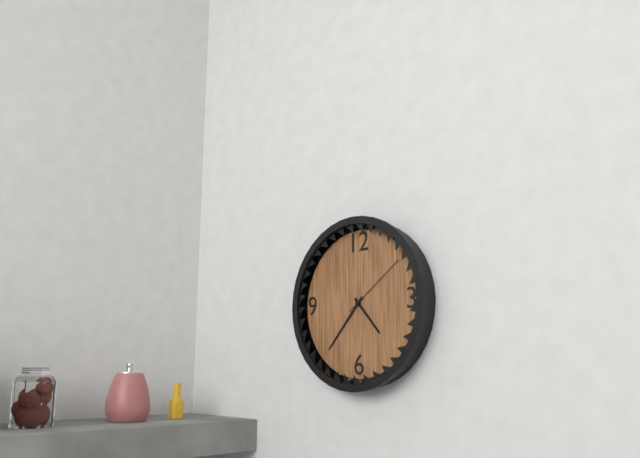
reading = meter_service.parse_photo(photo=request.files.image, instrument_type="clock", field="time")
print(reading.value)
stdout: 4:37:09
